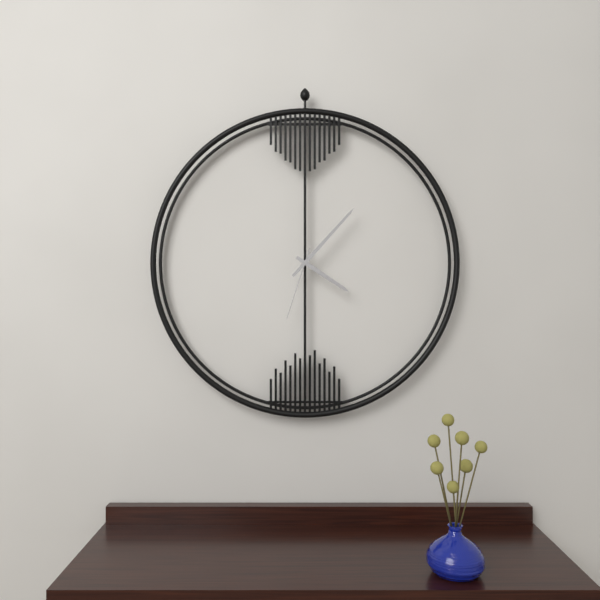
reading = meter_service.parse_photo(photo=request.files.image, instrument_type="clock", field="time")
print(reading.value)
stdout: 4:07:33
